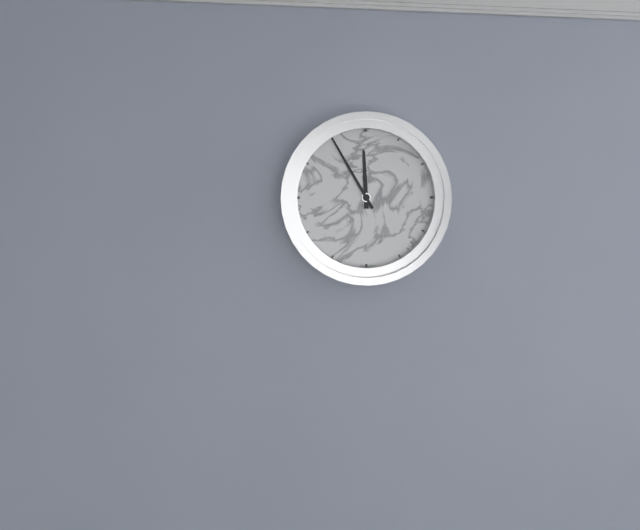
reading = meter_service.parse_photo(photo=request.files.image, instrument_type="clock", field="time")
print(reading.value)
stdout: 11:55
